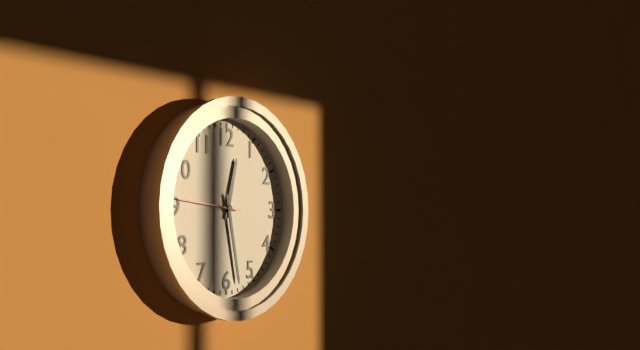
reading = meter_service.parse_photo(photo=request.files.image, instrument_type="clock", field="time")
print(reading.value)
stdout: 12:28:46
